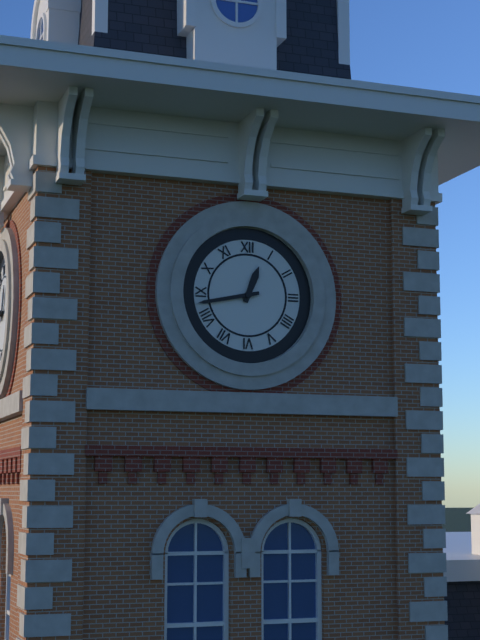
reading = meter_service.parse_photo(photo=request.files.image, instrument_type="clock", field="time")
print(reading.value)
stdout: 12:43
